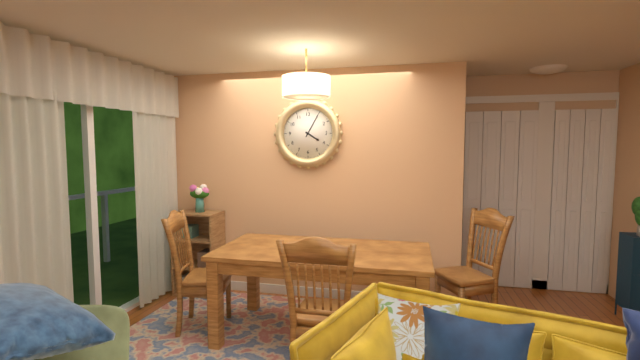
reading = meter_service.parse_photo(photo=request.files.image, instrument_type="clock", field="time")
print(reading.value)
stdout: 4:05
